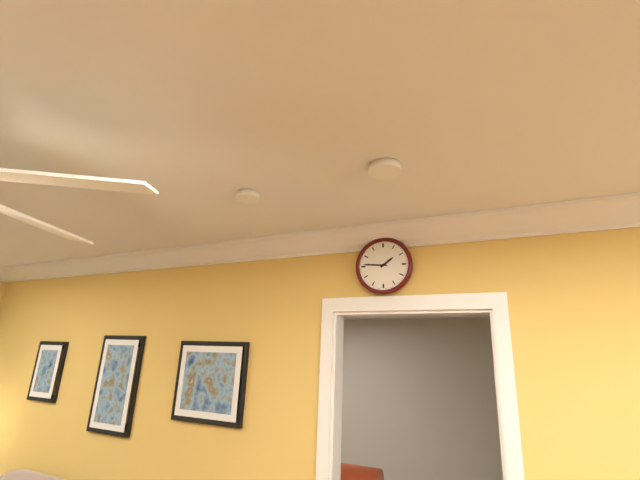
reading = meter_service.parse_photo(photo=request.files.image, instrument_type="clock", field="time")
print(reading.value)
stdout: 1:46
